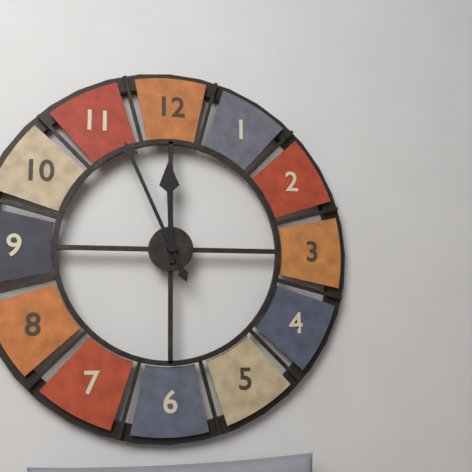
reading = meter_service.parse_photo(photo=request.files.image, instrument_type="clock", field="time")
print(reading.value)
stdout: 11:56
